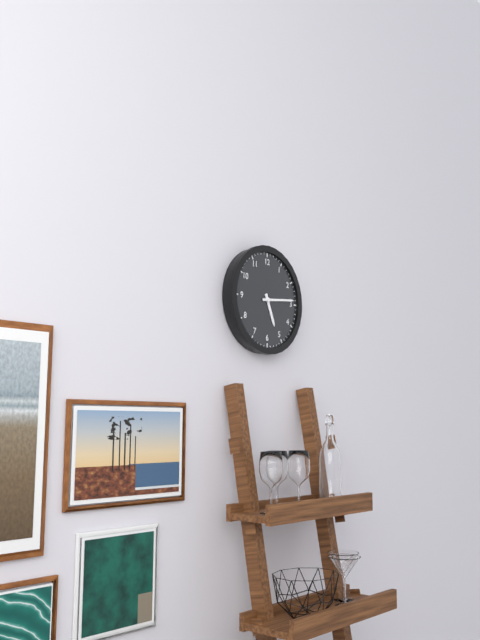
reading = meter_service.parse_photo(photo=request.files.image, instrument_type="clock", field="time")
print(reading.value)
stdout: 5:14
